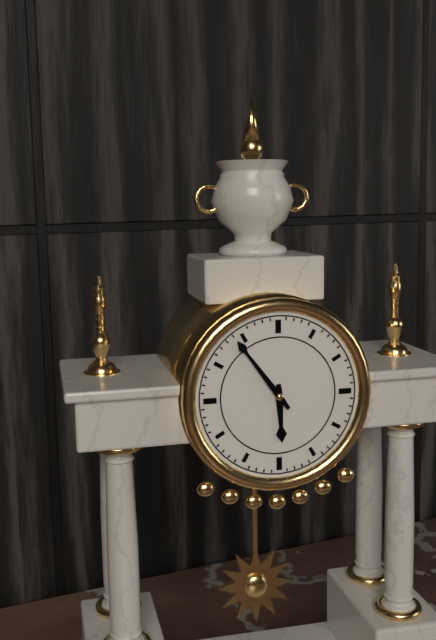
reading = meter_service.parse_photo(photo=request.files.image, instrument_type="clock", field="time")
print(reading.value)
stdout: 5:54
